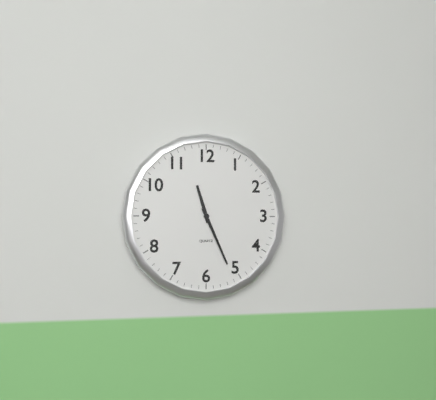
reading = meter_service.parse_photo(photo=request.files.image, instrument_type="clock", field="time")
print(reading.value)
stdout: 11:26
